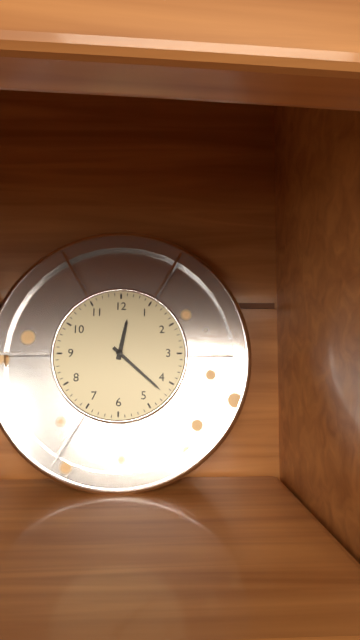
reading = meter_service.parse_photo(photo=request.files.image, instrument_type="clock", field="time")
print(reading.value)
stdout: 12:22
